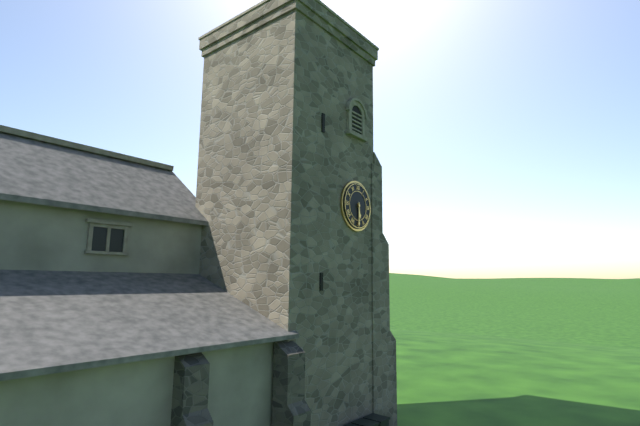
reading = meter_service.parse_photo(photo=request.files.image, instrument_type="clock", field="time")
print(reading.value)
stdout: 5:30
